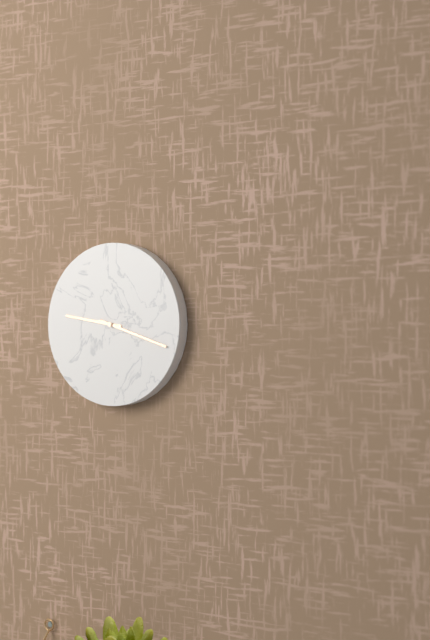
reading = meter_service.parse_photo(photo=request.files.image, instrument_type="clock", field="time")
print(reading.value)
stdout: 9:18
